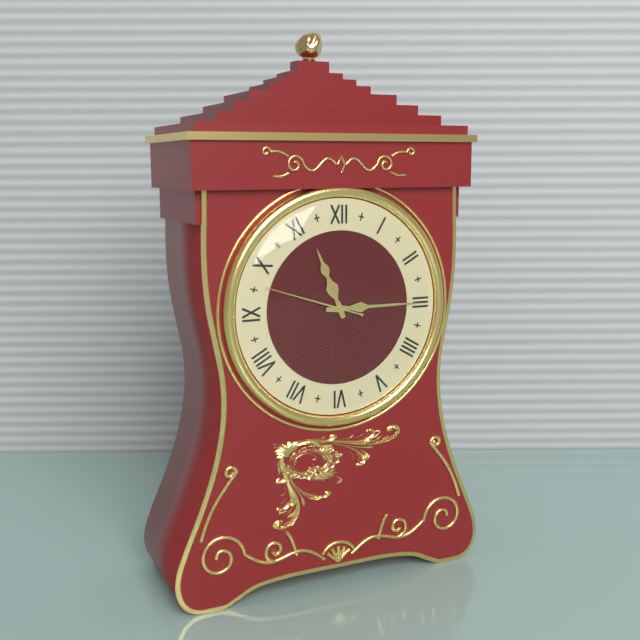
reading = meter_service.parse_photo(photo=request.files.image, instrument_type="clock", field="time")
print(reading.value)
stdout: 11:15:48
